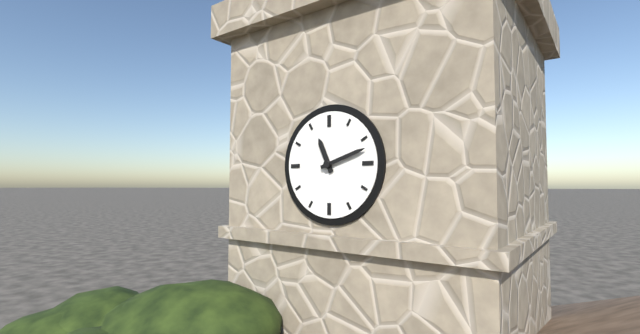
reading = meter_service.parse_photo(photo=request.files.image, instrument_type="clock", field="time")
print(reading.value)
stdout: 11:12
